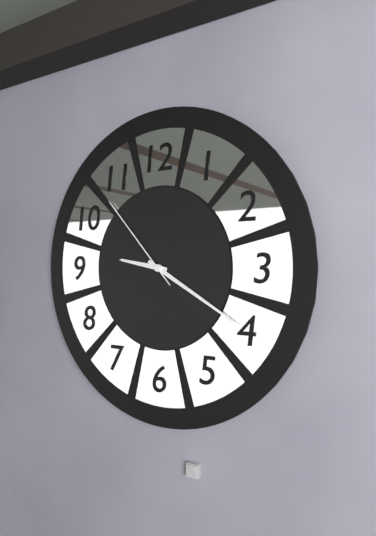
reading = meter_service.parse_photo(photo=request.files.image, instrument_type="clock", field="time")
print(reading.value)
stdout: 9:20:53
